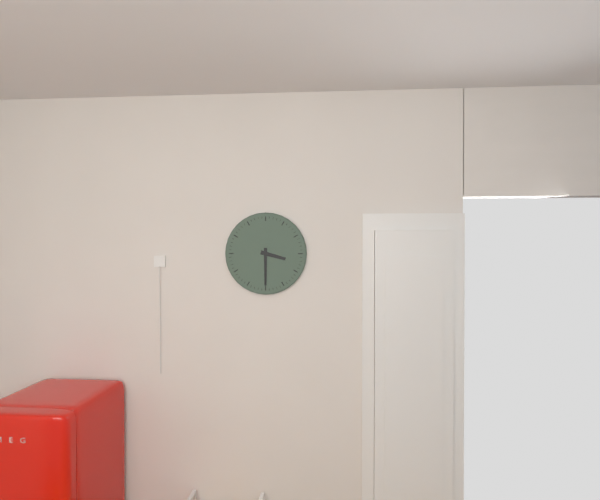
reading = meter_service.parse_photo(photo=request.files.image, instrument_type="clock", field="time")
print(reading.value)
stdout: 3:30
